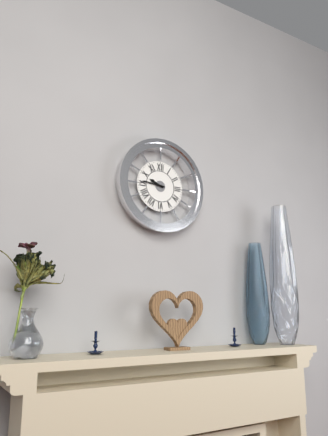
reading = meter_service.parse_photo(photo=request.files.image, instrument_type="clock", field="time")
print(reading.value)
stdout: 9:46
